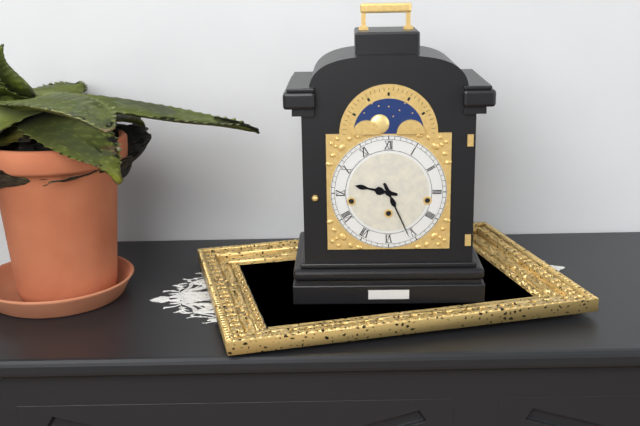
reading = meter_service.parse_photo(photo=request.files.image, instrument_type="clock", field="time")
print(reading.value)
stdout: 9:26
